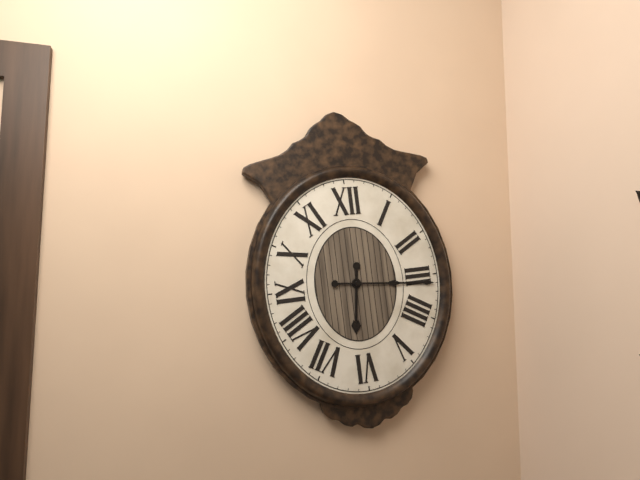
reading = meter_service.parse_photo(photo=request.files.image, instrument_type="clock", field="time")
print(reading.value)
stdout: 6:16
